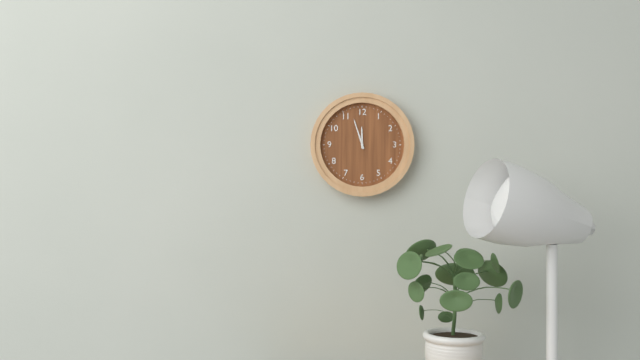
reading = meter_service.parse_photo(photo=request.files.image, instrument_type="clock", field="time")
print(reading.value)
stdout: 11:57
